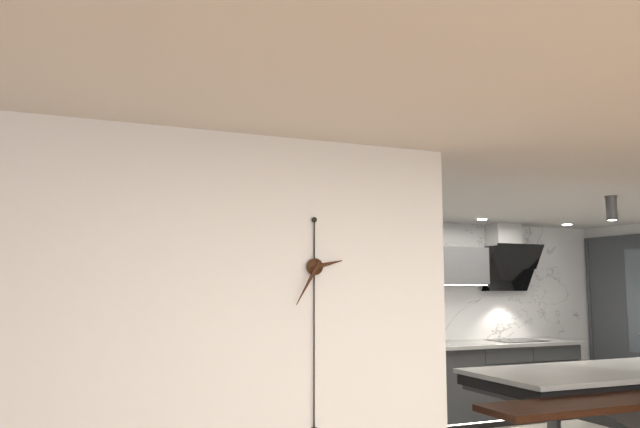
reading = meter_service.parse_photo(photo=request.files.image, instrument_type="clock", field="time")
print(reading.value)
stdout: 2:35
